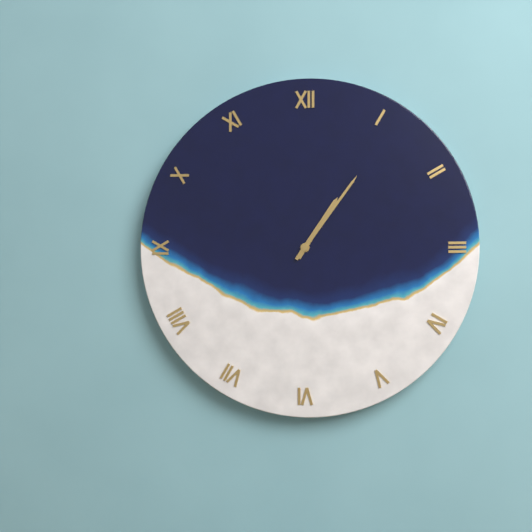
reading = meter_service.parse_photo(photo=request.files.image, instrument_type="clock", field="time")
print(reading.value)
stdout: 1:06
